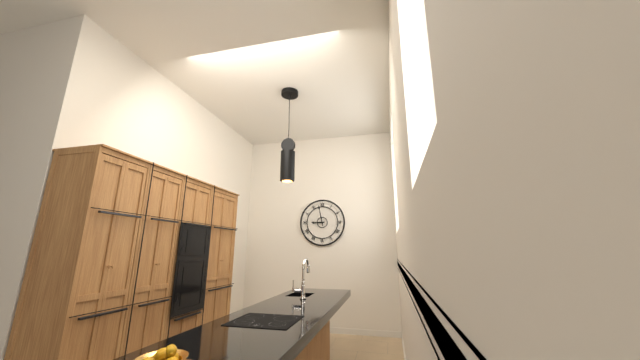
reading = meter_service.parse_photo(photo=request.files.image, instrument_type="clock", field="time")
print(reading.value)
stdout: 8:58
